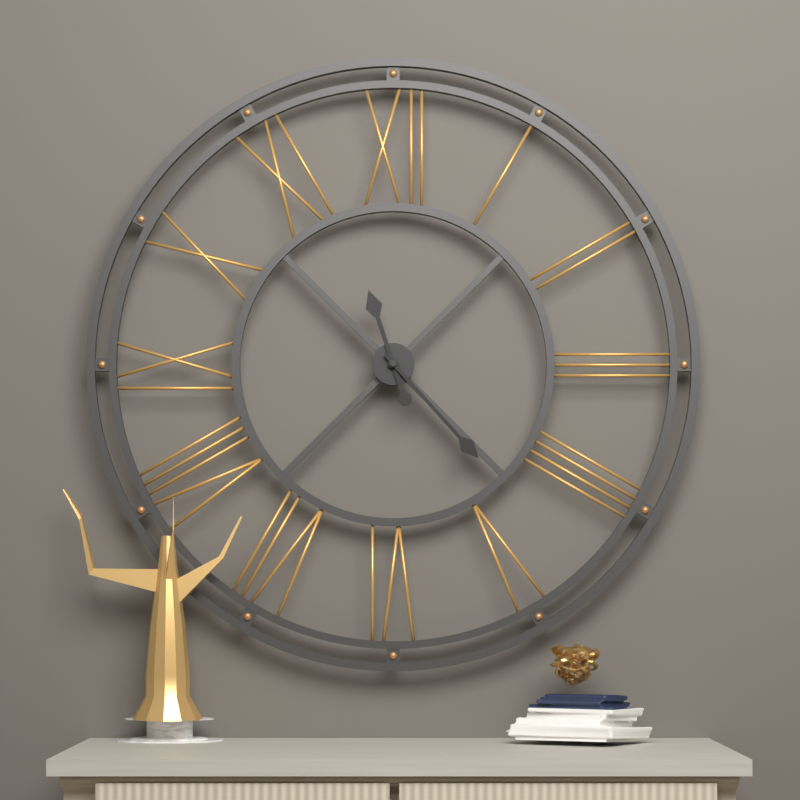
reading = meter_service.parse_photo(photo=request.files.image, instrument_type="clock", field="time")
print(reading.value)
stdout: 11:23
